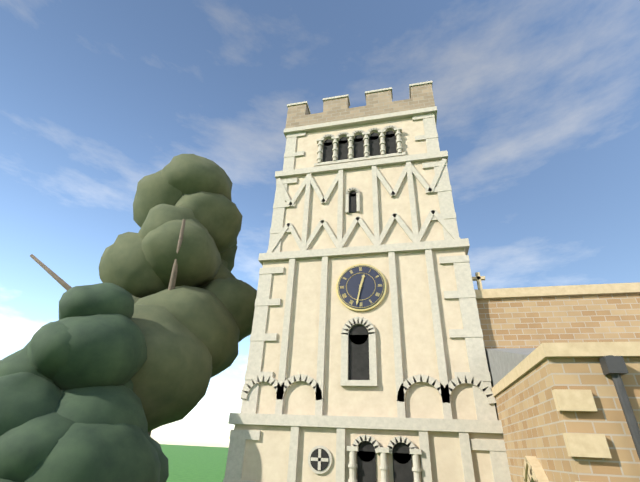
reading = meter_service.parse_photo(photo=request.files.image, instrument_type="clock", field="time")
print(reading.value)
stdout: 12:32
